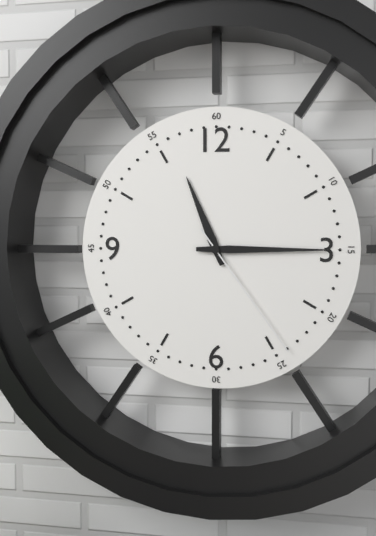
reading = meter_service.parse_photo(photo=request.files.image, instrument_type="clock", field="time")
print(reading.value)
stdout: 11:15:24
